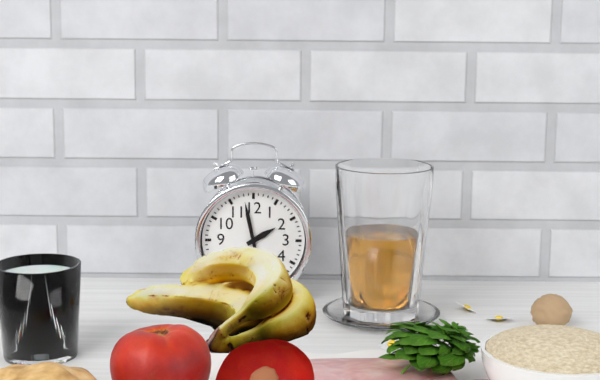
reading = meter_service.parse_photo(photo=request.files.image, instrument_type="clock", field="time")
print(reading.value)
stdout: 1:58
